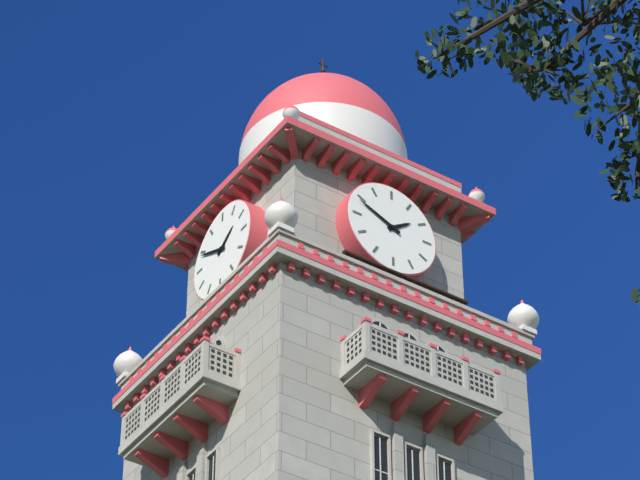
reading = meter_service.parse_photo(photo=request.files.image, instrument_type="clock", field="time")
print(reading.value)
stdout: 1:49
